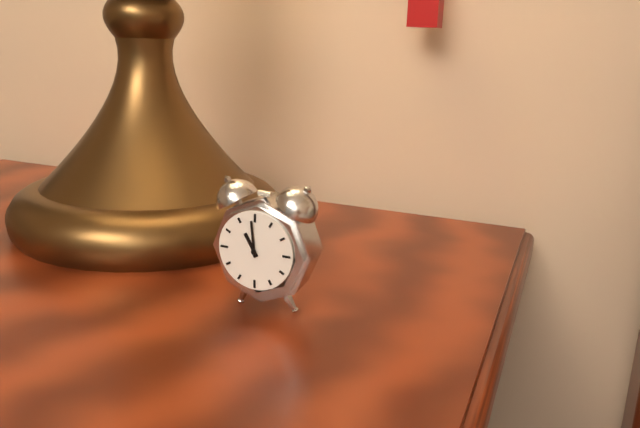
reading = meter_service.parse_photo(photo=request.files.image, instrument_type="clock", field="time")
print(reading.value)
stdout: 10:59
